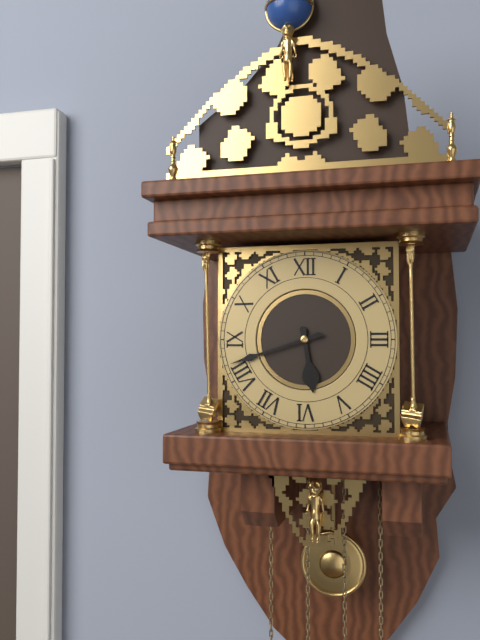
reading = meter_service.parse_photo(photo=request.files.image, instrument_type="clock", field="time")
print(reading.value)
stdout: 5:42
